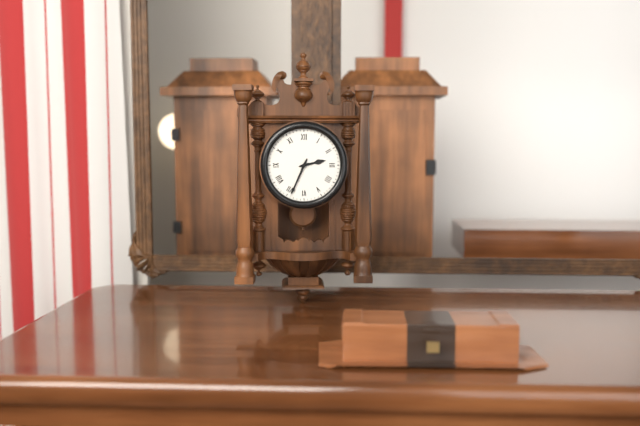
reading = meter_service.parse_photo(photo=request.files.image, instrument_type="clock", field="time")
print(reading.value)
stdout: 2:34
